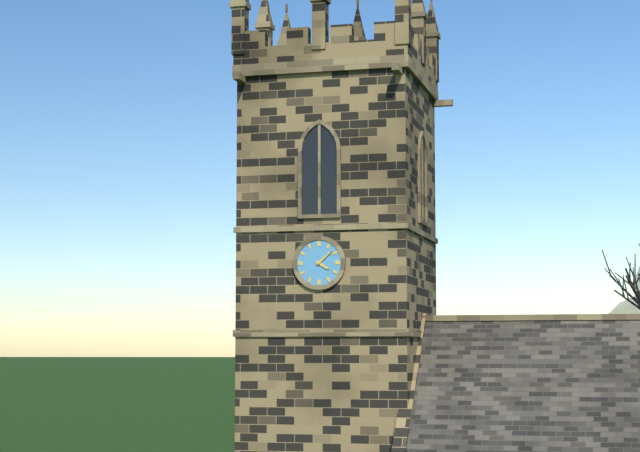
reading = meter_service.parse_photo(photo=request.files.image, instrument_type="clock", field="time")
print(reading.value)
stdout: 4:08
